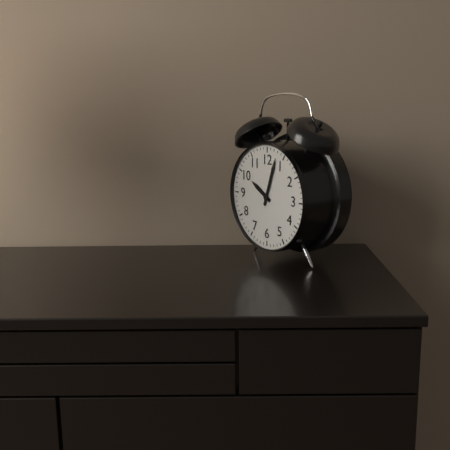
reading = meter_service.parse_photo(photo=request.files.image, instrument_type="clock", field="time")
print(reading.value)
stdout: 10:03
